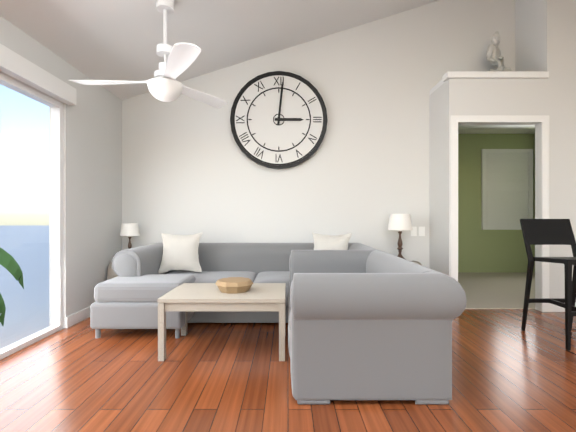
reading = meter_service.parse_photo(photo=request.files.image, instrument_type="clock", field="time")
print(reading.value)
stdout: 3:01
